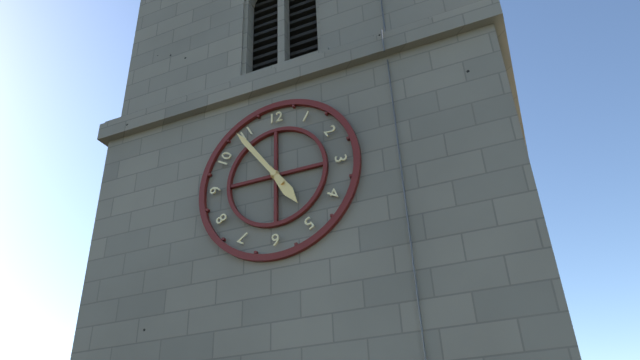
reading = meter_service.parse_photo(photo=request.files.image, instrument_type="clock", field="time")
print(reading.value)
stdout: 4:54
